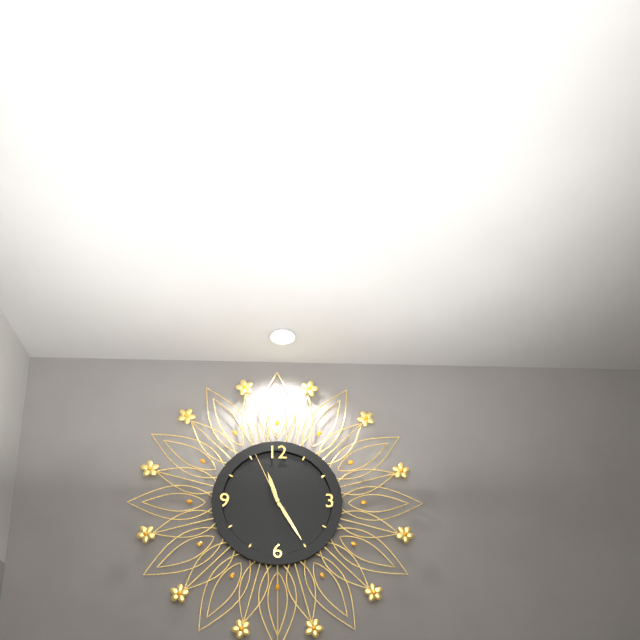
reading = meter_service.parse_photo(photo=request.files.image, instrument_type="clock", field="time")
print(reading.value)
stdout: 11:25:56
